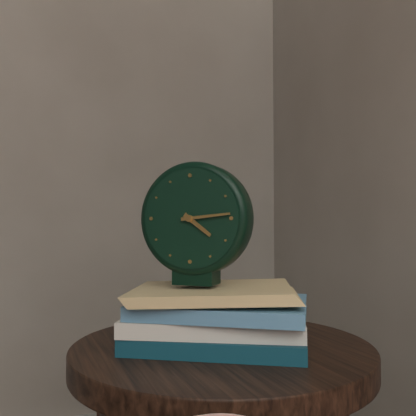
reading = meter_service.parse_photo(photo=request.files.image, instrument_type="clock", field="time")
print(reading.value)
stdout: 4:14
